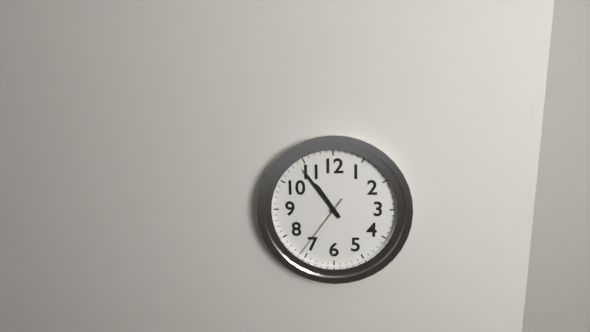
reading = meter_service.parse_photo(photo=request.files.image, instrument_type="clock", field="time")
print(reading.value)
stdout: 10:54:36
